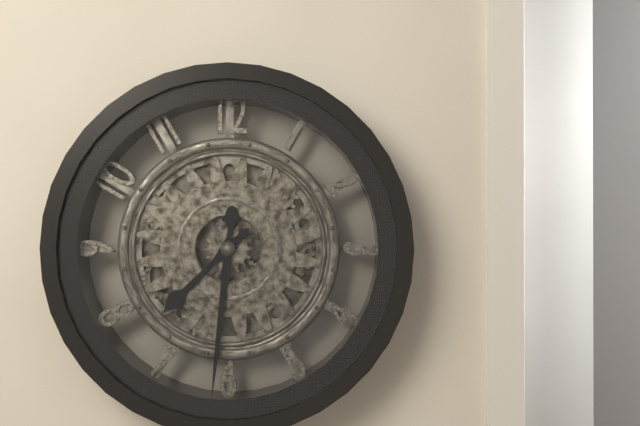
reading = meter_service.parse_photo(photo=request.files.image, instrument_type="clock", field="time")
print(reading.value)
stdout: 7:31
